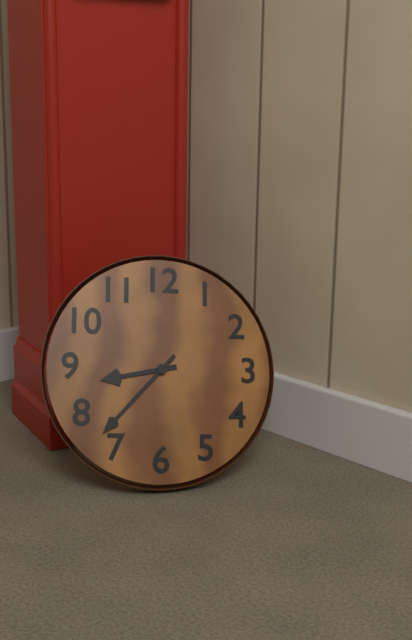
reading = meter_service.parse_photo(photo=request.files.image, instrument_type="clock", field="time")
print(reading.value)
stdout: 8:37
